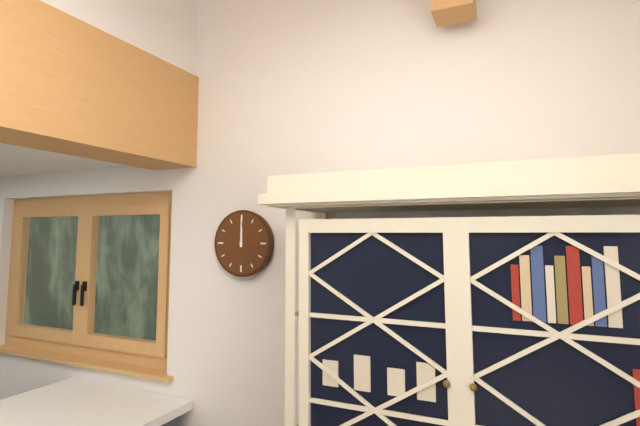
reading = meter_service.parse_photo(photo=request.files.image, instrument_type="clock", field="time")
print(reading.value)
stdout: 12:00
